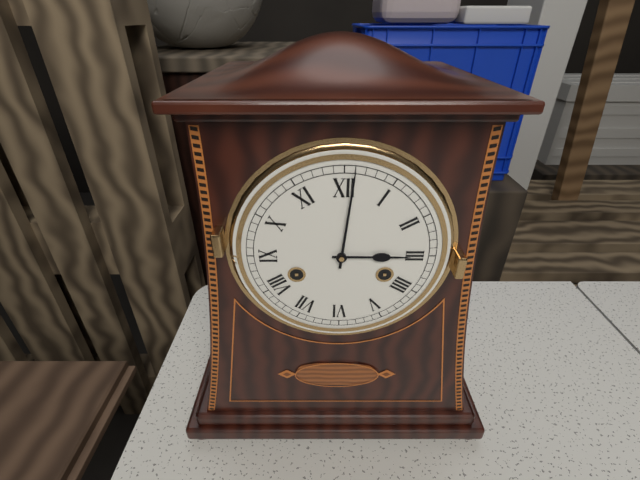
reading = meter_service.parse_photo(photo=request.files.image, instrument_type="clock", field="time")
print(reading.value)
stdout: 3:01
